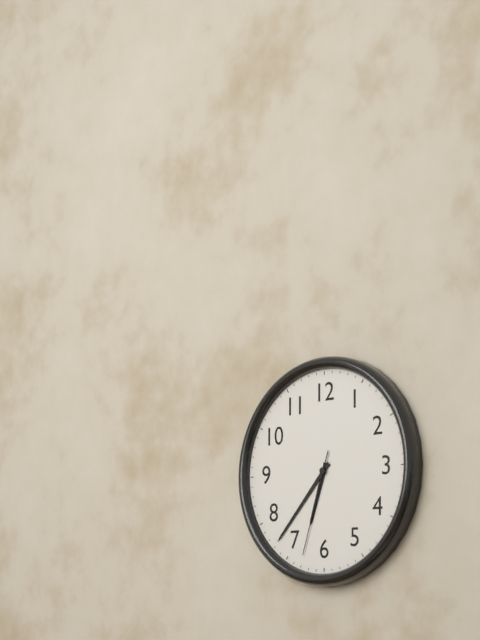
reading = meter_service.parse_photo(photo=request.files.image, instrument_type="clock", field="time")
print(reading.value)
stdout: 6:37:33
